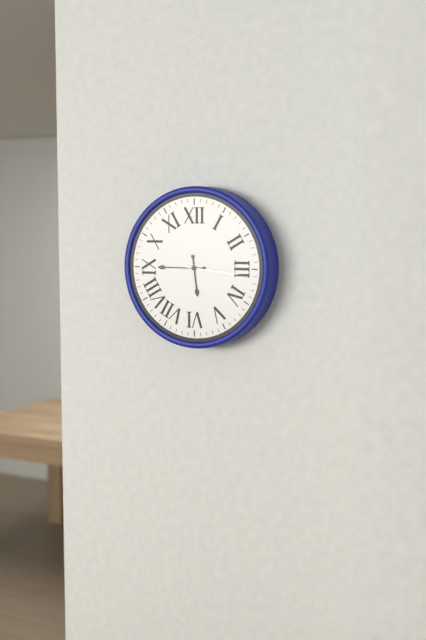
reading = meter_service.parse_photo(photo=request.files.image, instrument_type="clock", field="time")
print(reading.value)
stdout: 5:45:16
